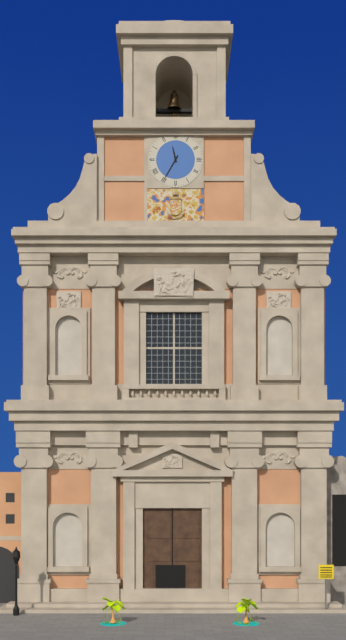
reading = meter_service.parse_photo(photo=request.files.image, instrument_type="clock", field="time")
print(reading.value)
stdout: 11:35
